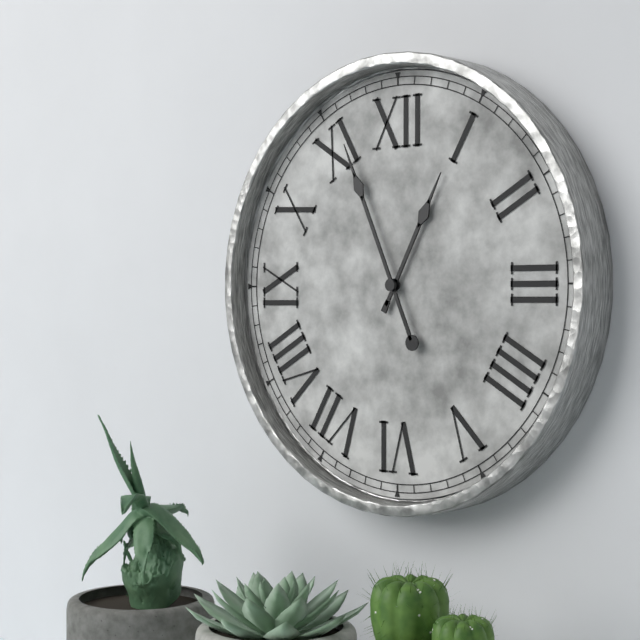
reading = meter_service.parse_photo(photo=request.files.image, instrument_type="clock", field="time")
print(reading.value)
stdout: 12:56
